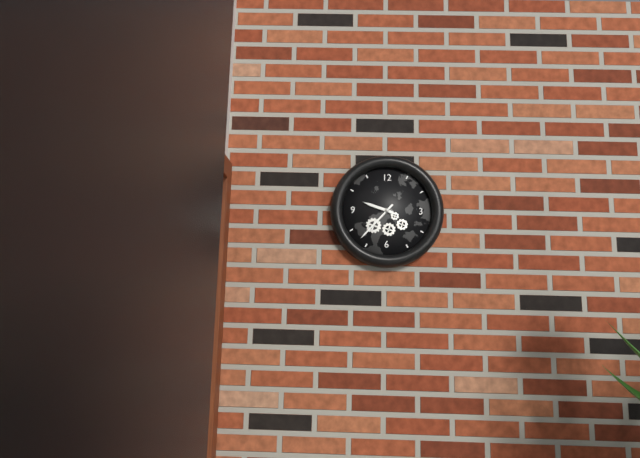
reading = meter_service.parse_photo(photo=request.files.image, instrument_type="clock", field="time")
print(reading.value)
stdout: 9:37
